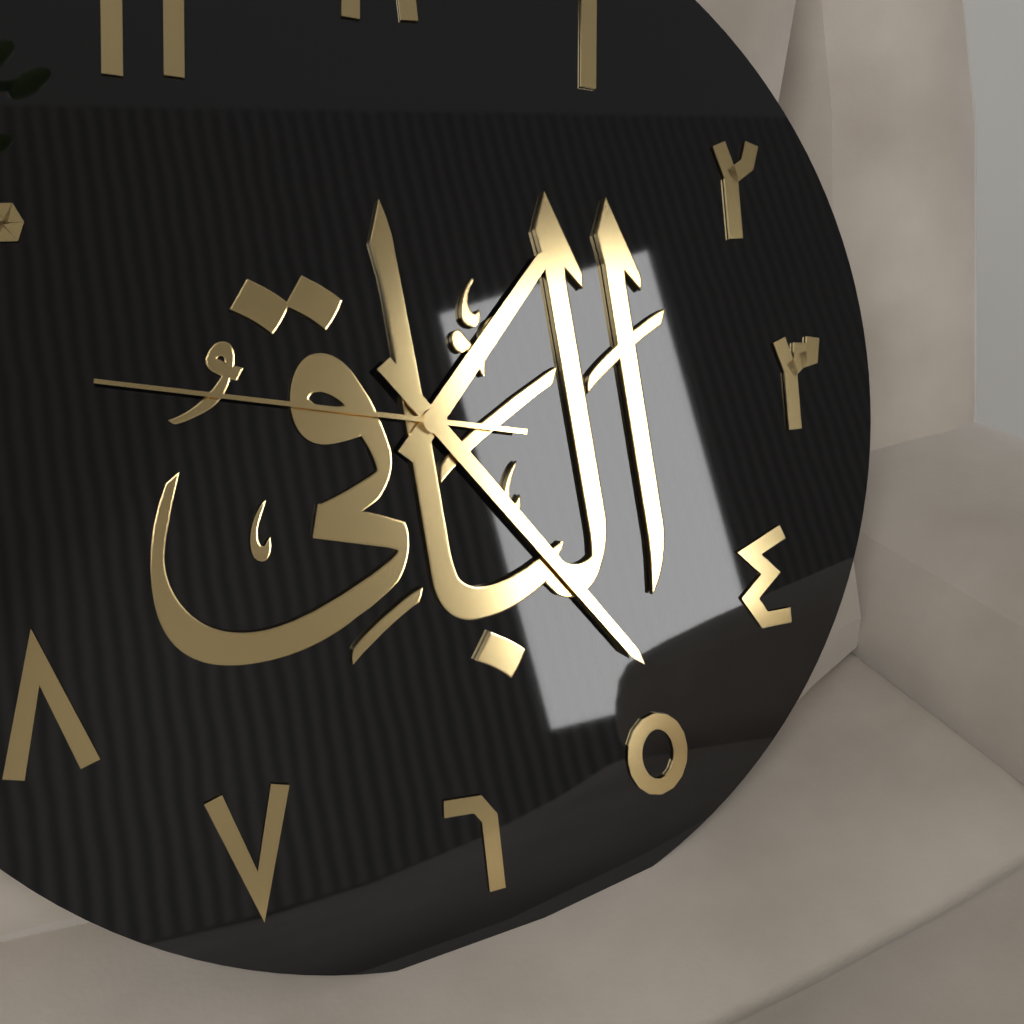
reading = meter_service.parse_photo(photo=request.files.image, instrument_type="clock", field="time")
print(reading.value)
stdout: 1:24:47
